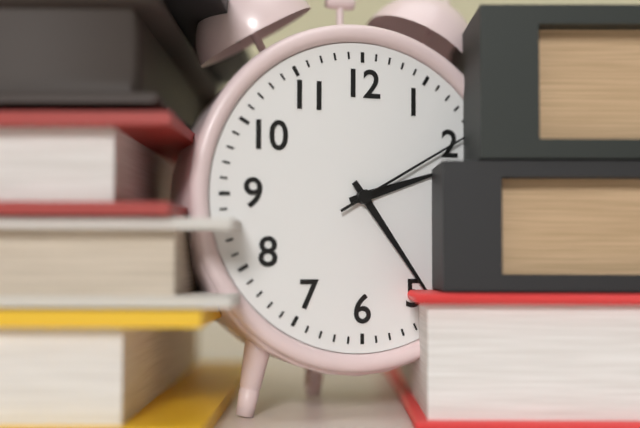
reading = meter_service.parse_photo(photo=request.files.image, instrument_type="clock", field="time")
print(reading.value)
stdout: 2:24:10
